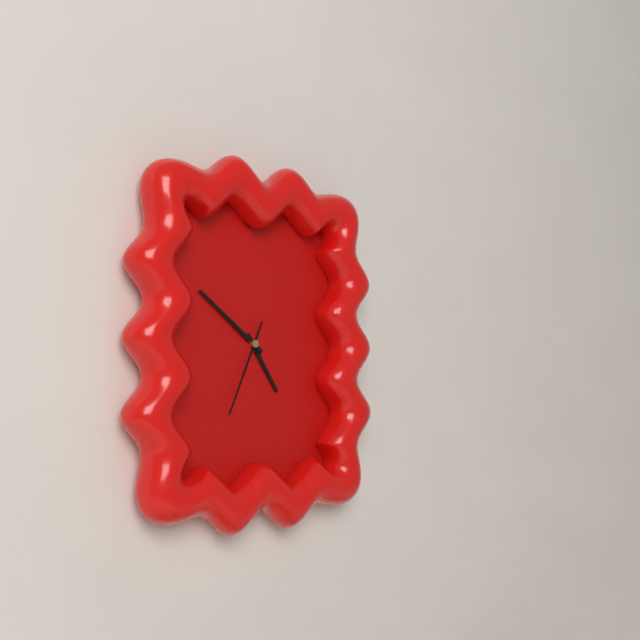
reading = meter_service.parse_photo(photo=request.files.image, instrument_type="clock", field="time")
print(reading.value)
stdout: 4:51:34
